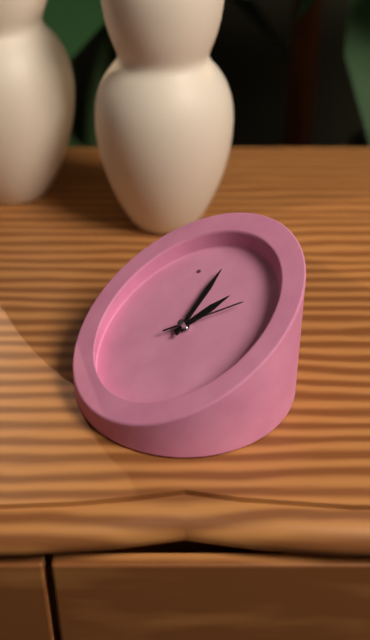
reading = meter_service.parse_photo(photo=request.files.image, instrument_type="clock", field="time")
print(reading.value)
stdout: 3:11:19
